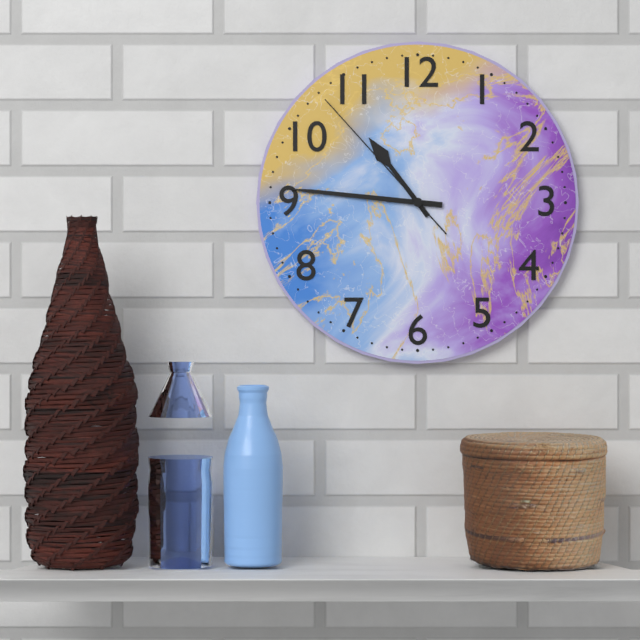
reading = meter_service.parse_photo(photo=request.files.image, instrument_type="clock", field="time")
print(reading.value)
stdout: 10:46:53
